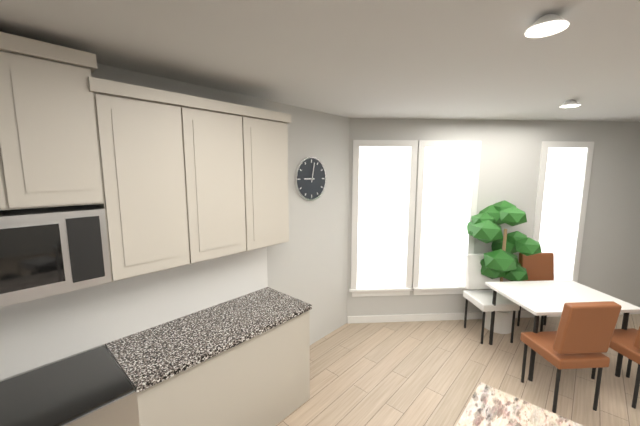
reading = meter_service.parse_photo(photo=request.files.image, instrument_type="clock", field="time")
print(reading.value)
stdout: 9:02
